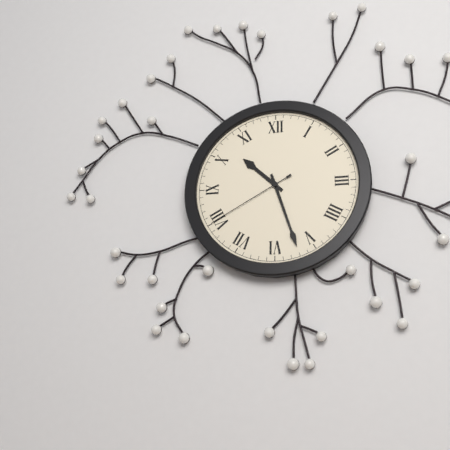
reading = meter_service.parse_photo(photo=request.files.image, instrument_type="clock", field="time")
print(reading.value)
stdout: 10:27:40
